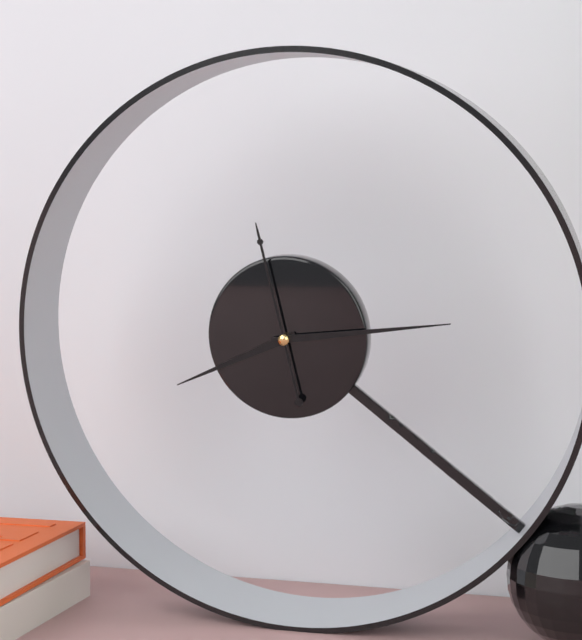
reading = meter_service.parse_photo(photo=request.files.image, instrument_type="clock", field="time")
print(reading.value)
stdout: 8:14:58
